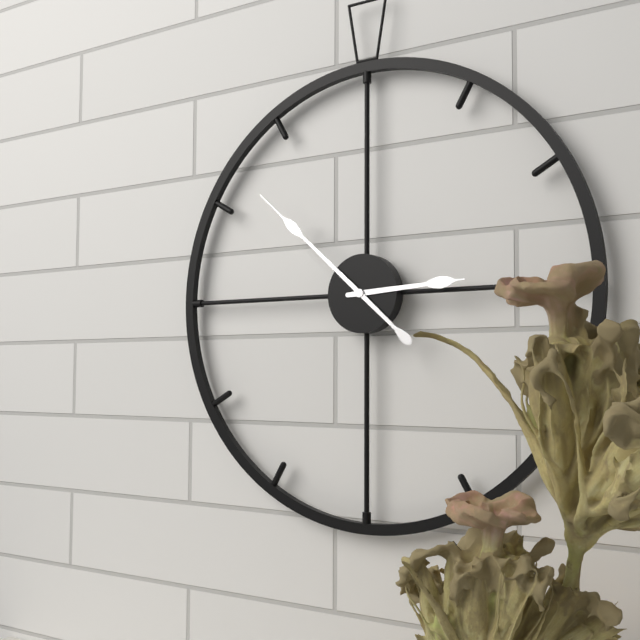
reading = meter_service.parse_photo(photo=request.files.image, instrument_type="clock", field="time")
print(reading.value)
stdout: 2:52
